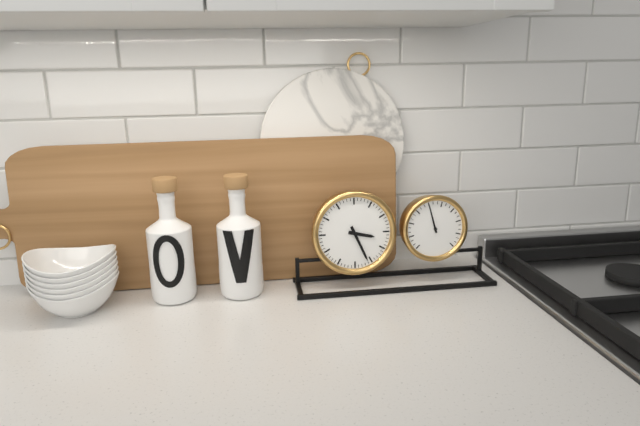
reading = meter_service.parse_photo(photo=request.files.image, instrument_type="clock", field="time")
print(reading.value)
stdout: 3:26
